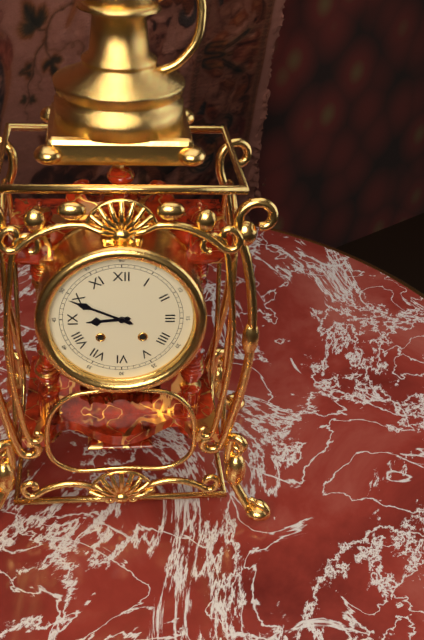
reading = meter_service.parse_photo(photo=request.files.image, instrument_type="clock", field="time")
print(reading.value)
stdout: 8:49
